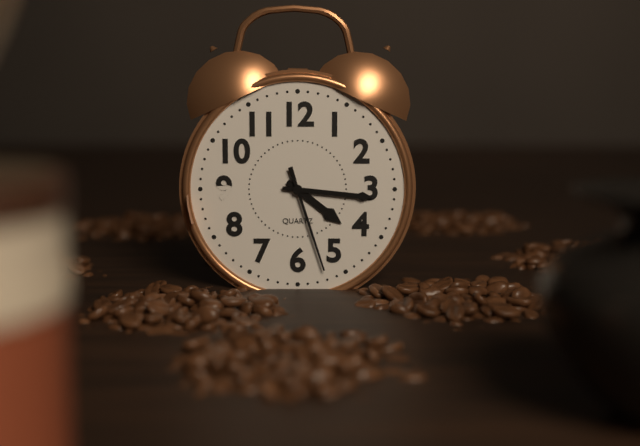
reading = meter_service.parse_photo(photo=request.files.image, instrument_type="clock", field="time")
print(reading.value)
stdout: 4:16:27
